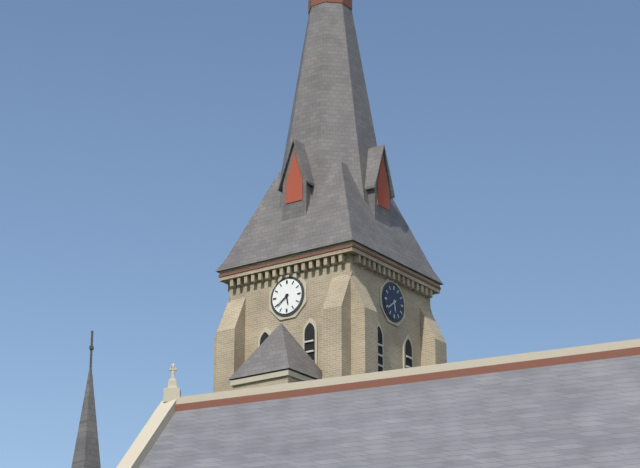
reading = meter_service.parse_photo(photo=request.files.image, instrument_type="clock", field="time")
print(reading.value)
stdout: 5:39
